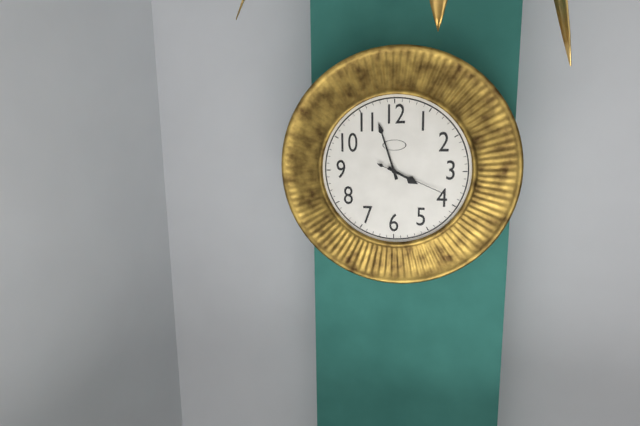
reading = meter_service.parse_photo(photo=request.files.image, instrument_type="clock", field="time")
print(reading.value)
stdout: 3:57:19
